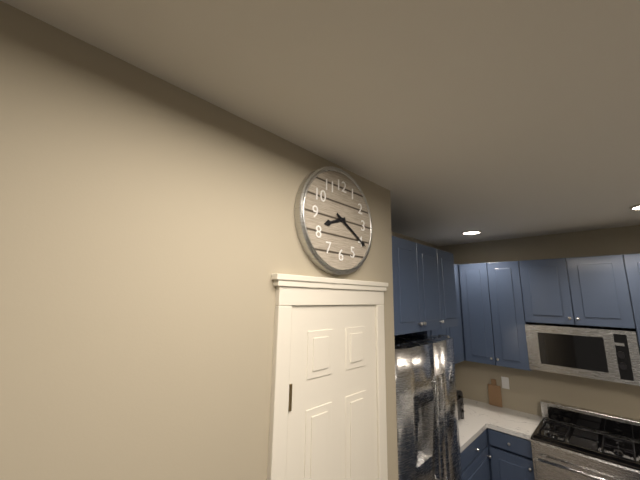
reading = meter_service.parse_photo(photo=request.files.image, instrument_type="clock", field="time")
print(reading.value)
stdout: 8:20
